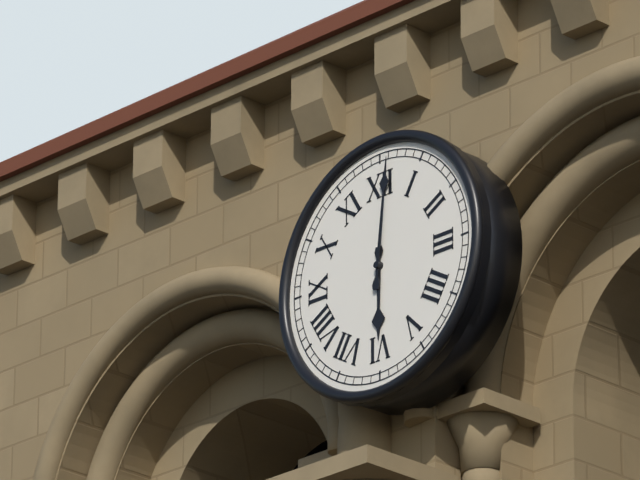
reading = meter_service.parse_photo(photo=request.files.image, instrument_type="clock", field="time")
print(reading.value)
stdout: 6:01
